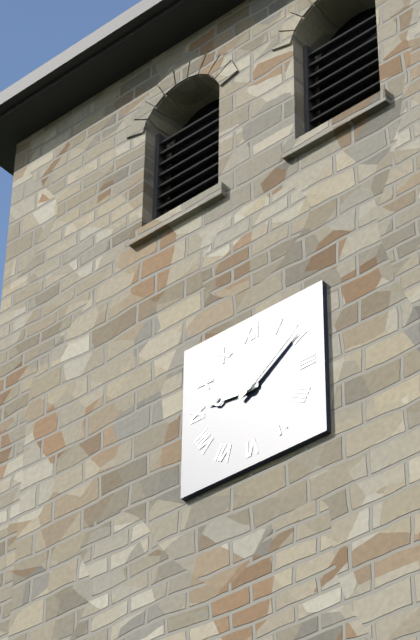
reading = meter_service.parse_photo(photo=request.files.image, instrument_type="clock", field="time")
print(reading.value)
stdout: 9:09
